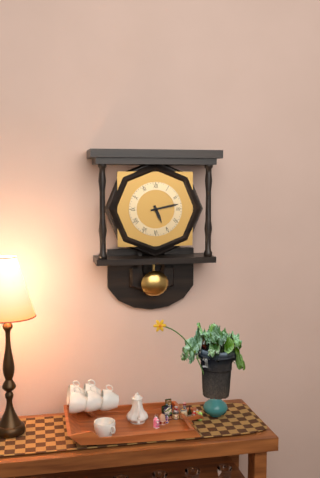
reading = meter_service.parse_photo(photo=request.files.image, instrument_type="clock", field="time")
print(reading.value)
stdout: 5:13
